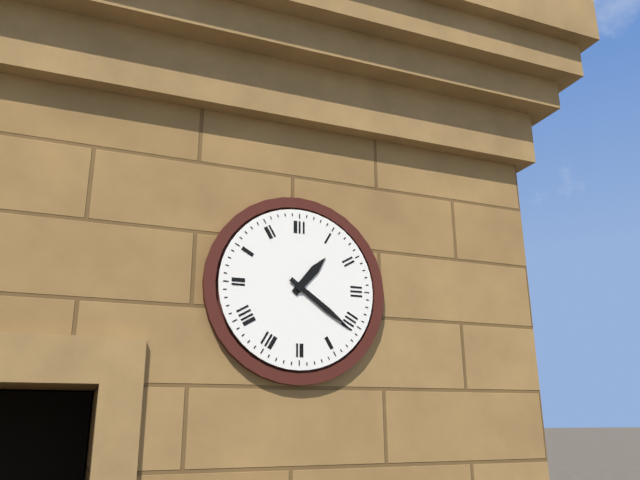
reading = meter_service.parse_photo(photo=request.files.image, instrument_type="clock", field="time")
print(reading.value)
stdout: 1:21
